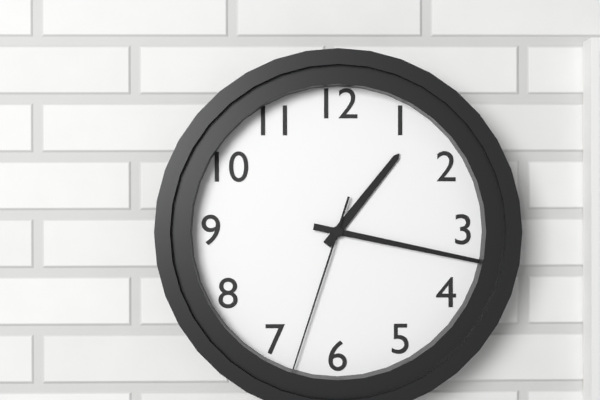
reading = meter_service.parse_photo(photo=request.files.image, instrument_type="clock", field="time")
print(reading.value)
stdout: 1:17:33
